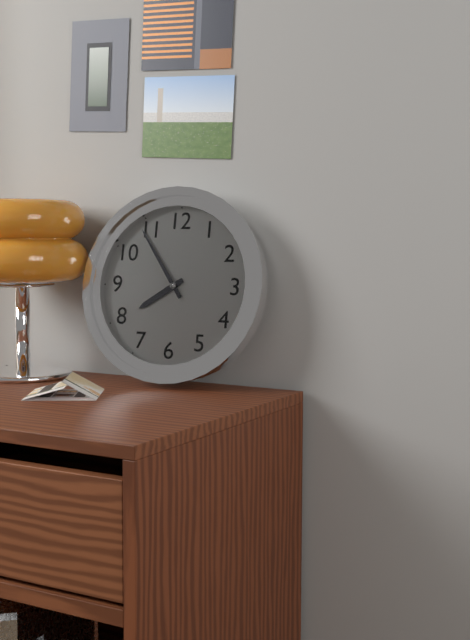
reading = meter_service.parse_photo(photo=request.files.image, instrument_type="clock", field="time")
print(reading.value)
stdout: 7:54
